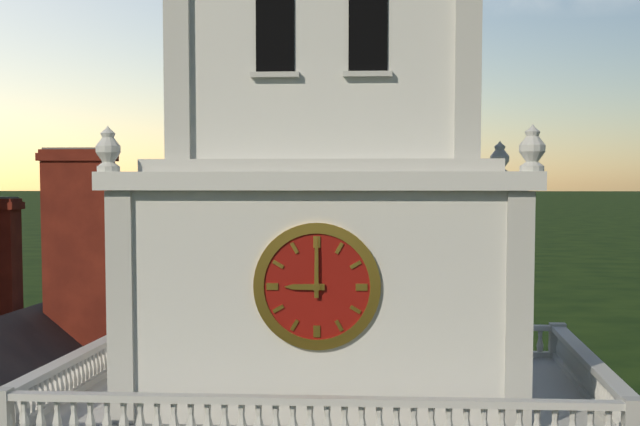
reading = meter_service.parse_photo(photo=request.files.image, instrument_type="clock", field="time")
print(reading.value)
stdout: 9:00
